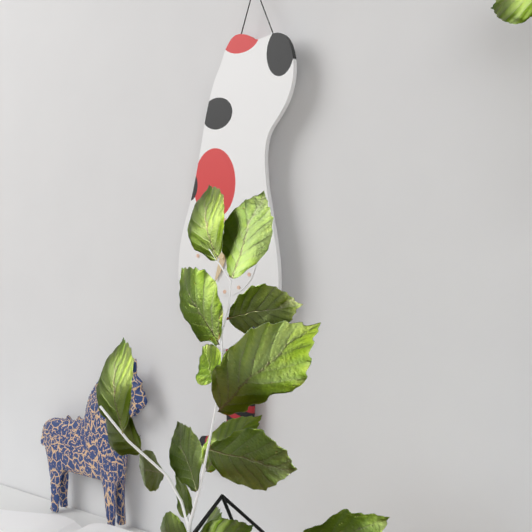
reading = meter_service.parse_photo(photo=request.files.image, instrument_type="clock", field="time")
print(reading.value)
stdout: 6:47
